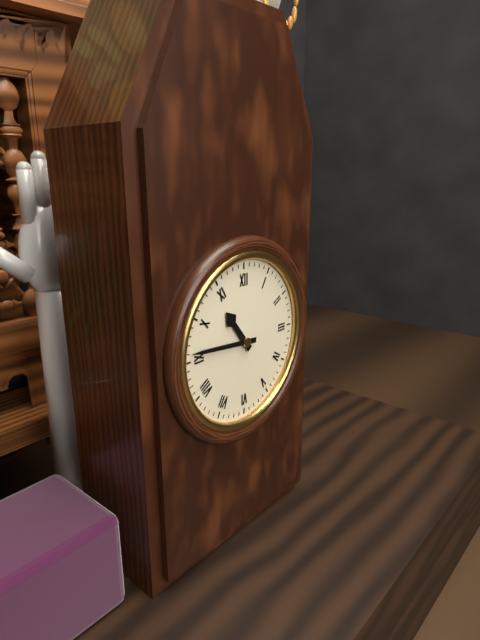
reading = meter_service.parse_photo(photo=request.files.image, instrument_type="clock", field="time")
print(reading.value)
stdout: 10:46
